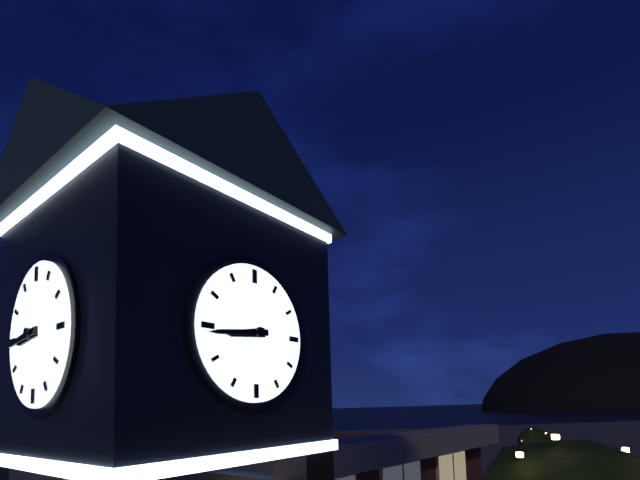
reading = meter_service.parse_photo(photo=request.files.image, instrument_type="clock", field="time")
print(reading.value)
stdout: 8:44
